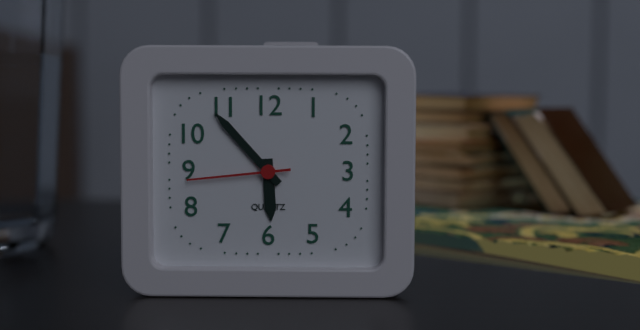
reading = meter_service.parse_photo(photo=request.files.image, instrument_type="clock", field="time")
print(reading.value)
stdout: 5:53:44
